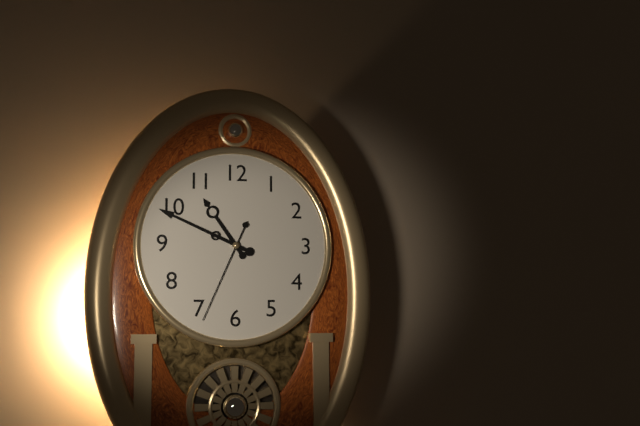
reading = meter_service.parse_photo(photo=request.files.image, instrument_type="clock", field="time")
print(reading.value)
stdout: 10:49:34
